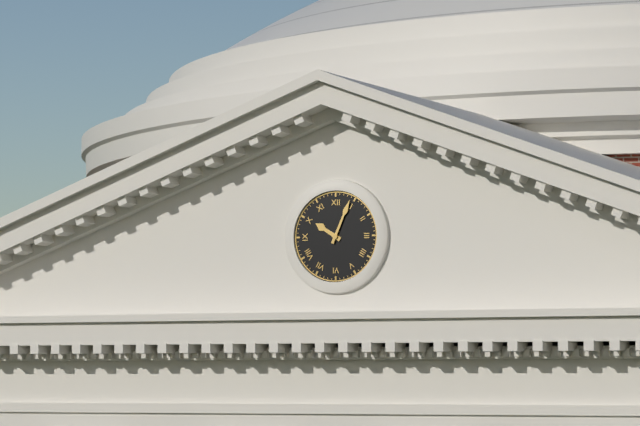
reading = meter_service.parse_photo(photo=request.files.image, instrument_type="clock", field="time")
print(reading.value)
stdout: 10:04
